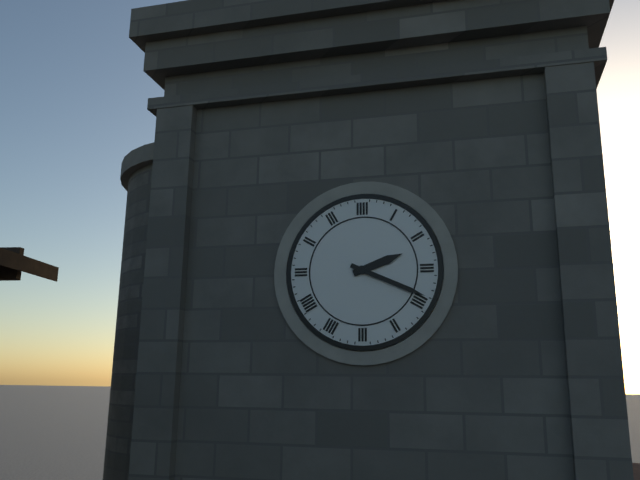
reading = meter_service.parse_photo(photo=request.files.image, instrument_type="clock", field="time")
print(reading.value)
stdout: 2:19
